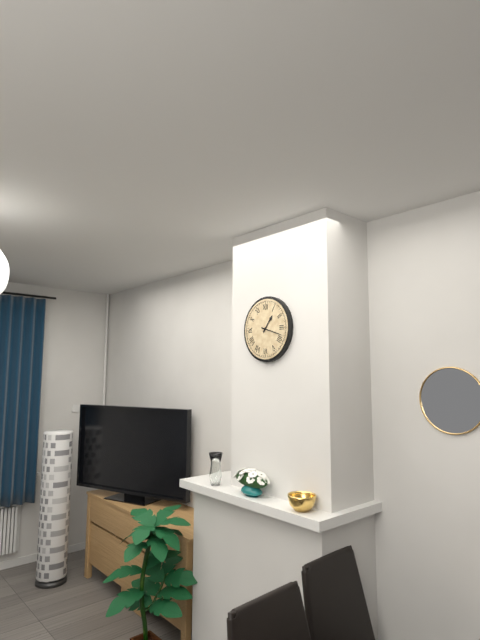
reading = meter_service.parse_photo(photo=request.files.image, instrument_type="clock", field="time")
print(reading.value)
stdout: 1:18
